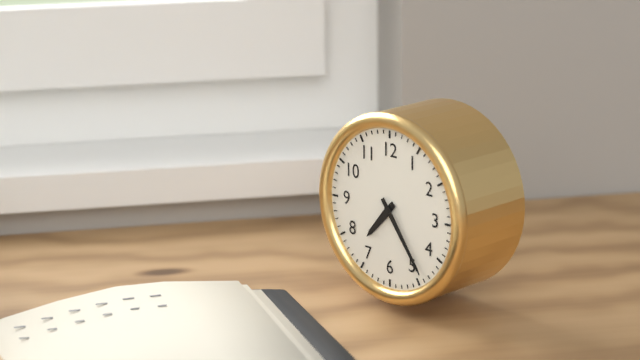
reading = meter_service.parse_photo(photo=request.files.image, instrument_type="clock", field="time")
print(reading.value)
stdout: 7:24
